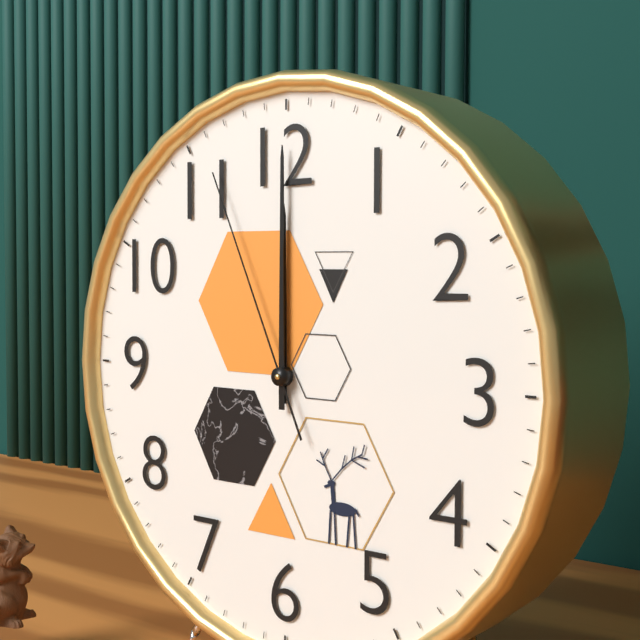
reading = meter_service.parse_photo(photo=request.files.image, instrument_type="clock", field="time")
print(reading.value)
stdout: 12:00:56
